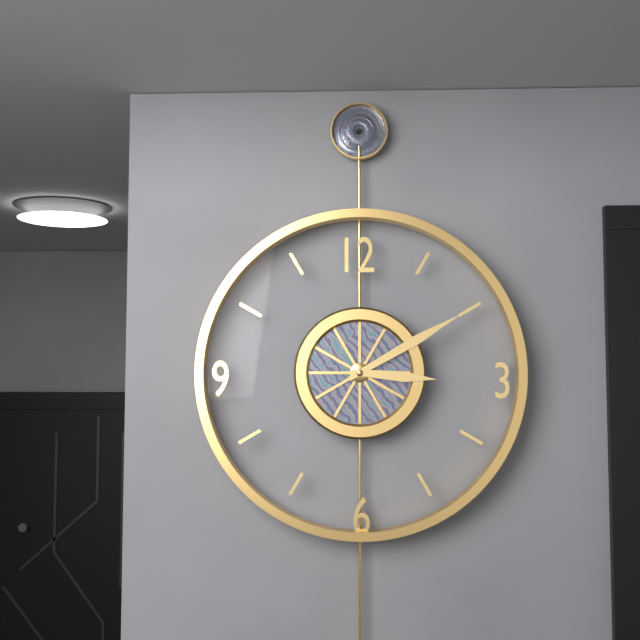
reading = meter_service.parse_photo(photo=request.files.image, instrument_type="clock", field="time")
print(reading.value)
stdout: 3:10
